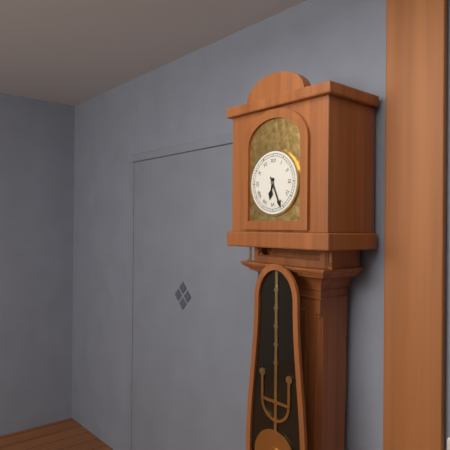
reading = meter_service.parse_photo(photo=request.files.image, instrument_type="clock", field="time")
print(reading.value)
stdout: 6:26
